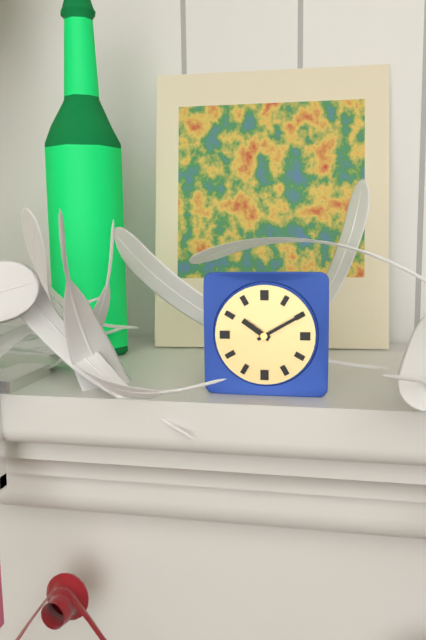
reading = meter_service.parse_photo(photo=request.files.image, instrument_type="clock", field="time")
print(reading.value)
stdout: 10:10
